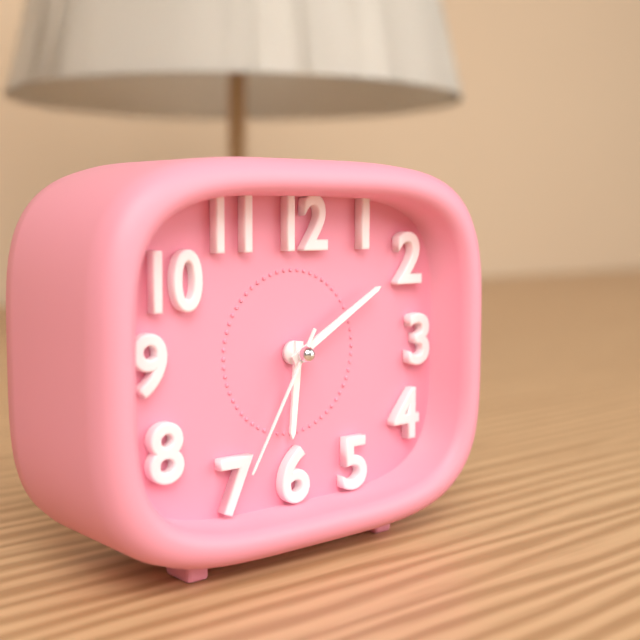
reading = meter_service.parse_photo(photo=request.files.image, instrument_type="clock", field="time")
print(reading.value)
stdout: 6:10:35
